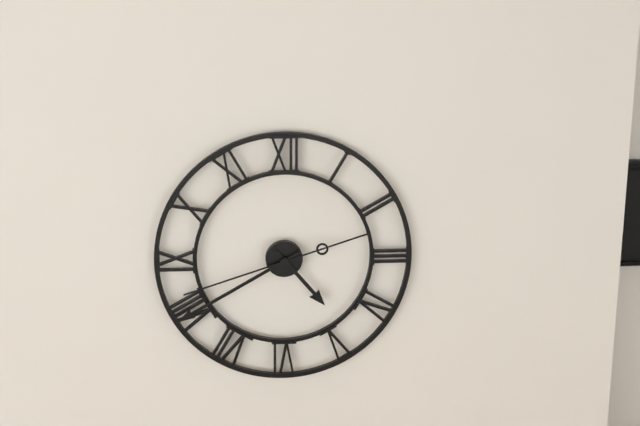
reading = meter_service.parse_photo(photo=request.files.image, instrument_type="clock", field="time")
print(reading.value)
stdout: 4:40:42
